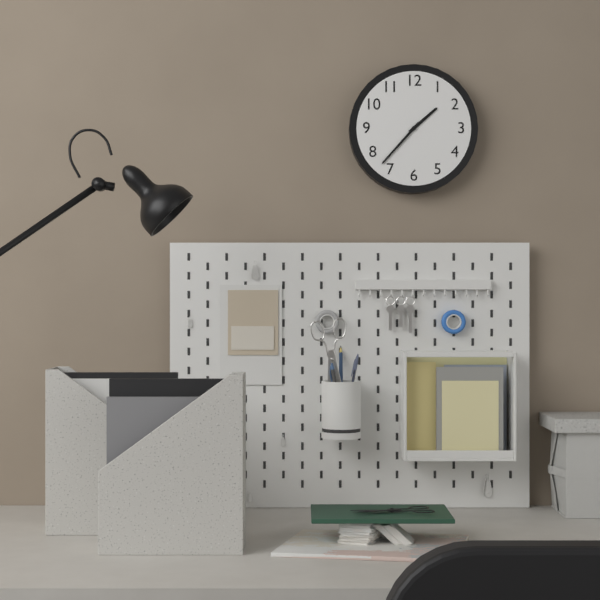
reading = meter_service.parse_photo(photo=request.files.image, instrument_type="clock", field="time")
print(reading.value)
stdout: 1:37
